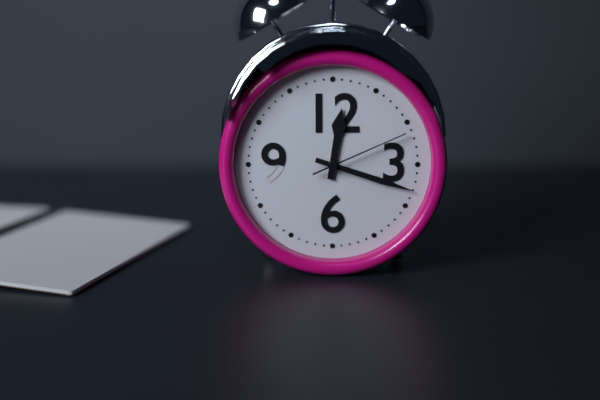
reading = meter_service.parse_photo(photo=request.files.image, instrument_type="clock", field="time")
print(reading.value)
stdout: 12:18:11
